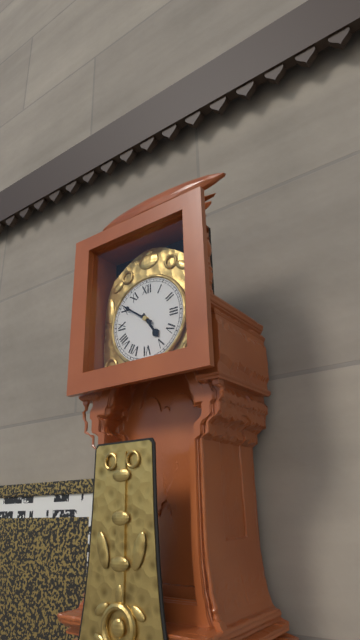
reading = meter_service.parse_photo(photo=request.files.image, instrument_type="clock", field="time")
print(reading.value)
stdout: 4:51
